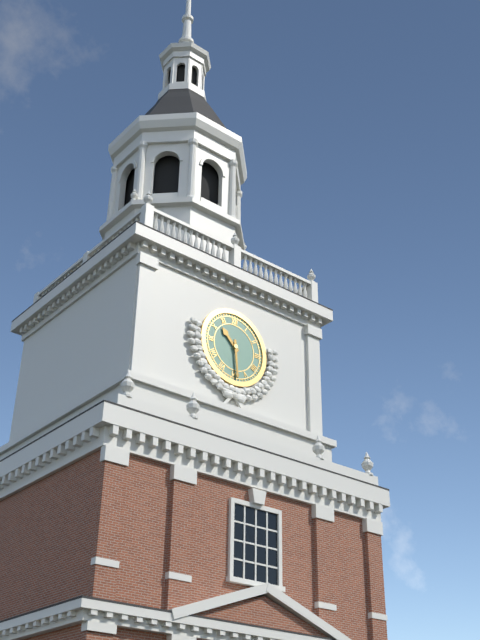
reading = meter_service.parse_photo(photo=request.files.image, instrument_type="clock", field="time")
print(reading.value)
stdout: 10:29
